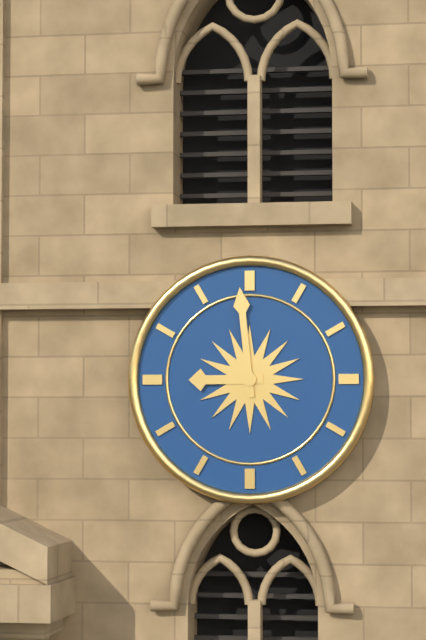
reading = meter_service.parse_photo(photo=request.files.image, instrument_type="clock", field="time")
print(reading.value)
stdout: 8:59
